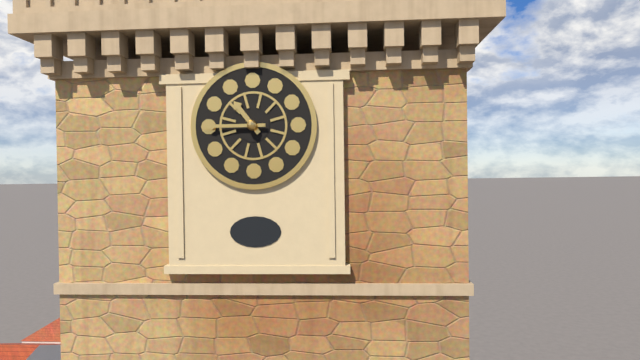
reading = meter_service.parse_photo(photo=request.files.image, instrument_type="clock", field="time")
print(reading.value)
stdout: 10:45
